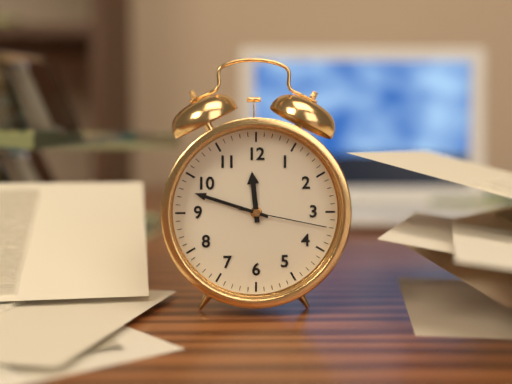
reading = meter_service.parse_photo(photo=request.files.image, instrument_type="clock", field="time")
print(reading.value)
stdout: 11:48:17
